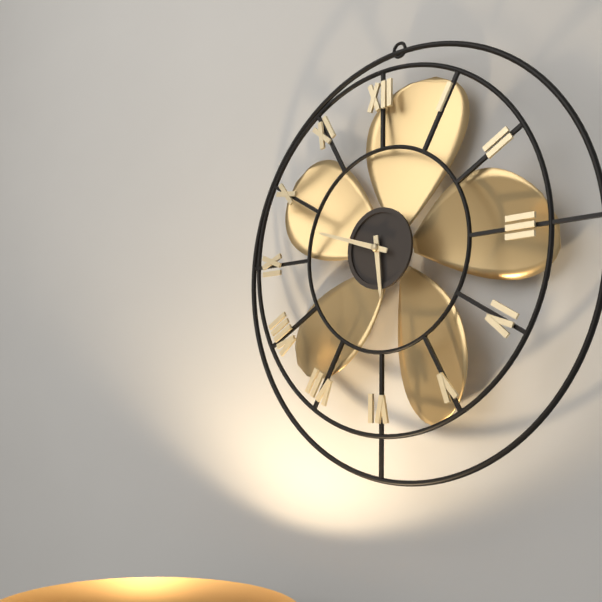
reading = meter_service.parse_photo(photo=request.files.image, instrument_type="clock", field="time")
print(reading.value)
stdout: 5:48
